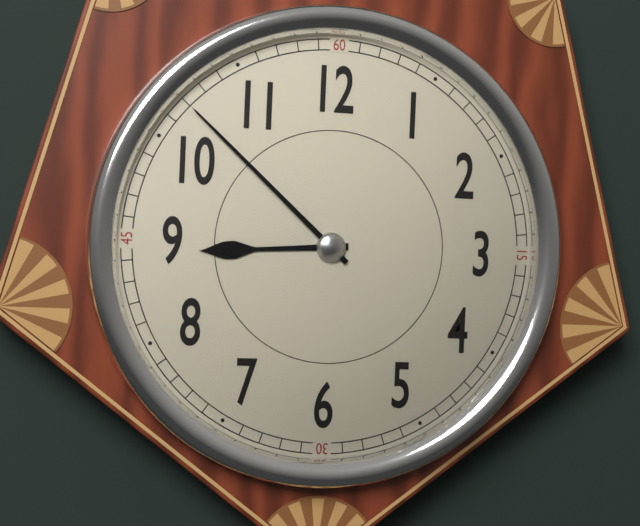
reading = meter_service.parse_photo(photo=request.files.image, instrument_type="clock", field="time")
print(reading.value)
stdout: 8:52
